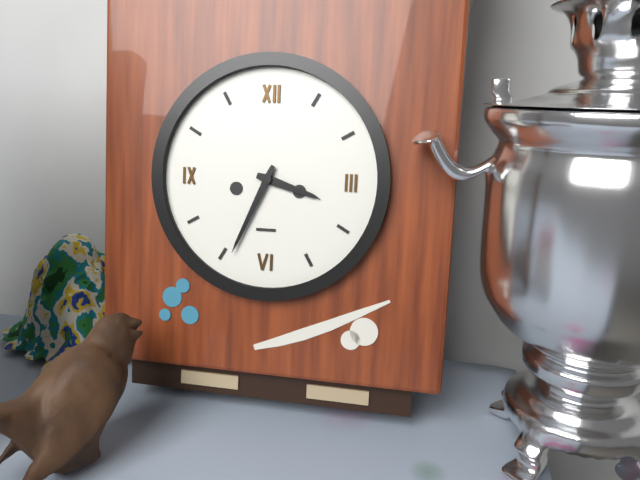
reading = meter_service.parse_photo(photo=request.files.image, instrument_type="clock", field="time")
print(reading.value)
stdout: 3:34
